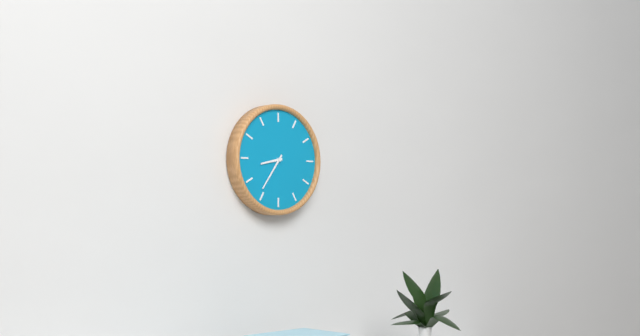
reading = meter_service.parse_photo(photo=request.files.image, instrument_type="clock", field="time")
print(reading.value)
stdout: 8:36
